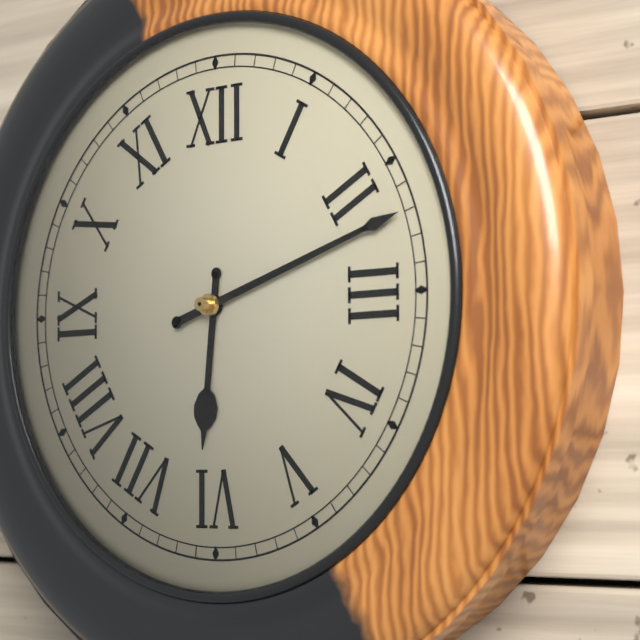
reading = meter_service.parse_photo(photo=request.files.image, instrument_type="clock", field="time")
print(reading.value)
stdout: 6:12
